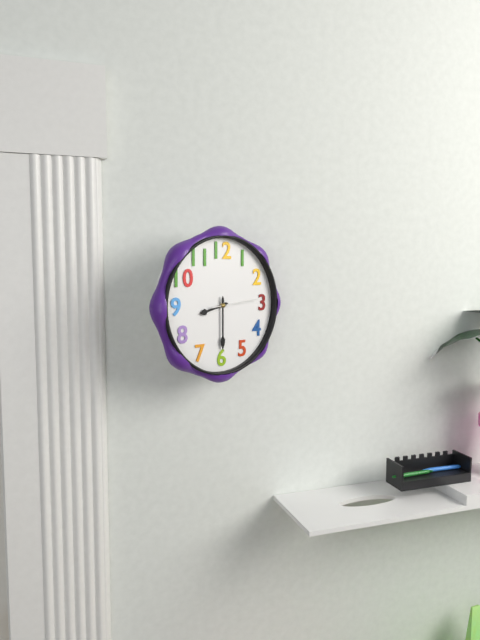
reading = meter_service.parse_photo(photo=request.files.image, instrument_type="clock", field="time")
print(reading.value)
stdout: 8:30
